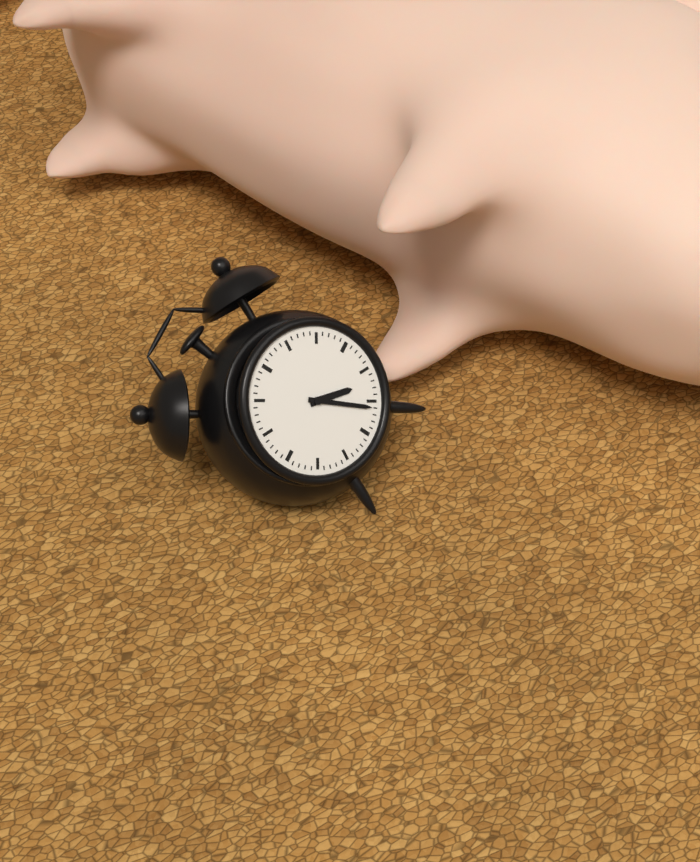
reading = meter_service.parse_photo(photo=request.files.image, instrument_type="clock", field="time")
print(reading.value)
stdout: 4:26
